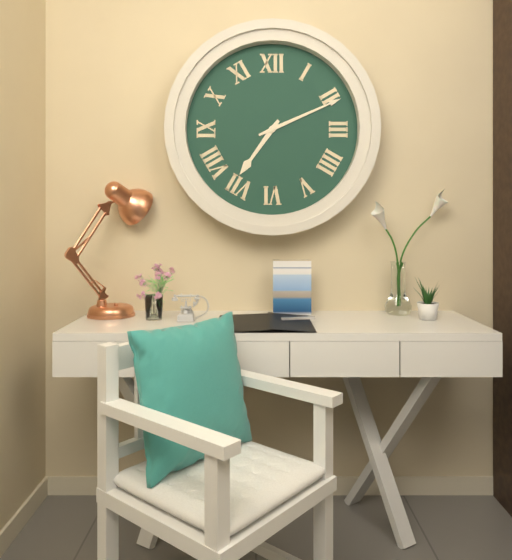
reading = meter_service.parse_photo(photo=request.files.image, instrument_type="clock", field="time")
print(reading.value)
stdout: 7:11
